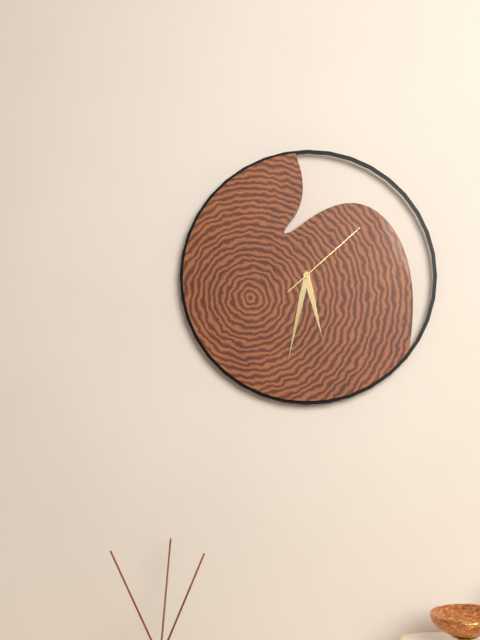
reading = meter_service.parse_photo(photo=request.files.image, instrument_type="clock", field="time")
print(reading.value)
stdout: 5:32:08
